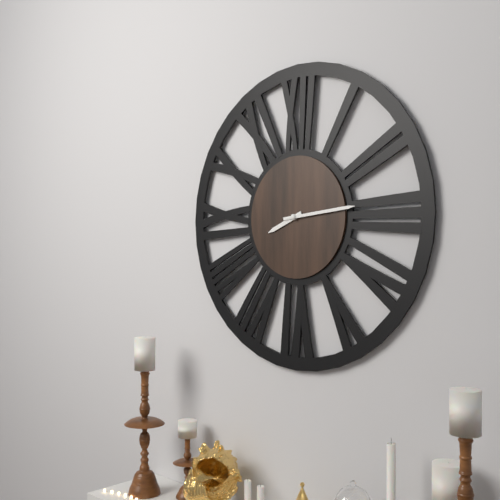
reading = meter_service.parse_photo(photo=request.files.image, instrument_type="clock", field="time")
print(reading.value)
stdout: 8:14
